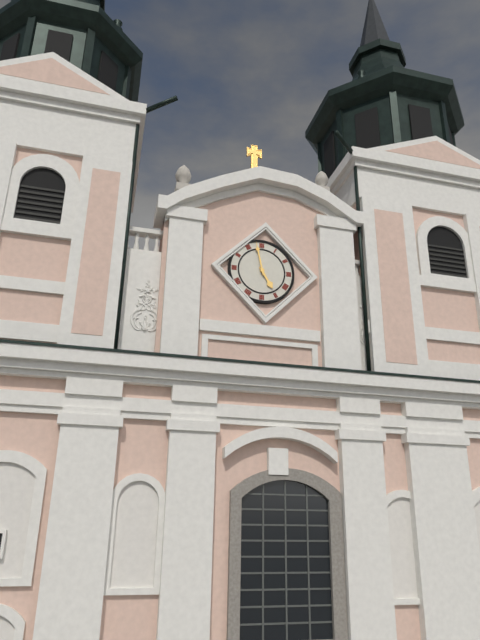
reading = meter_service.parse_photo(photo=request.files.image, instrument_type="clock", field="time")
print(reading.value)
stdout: 4:58
